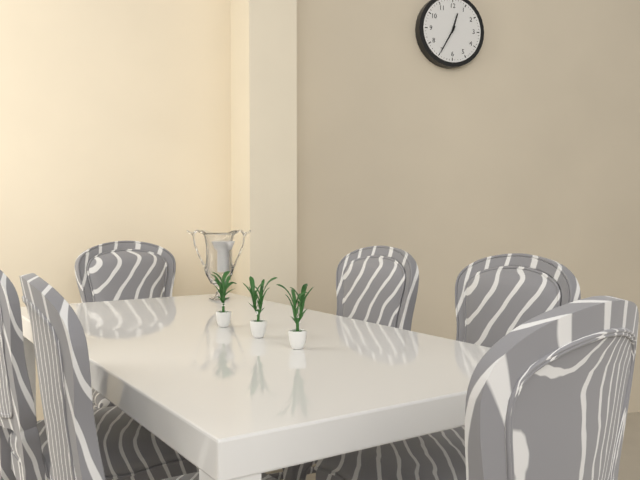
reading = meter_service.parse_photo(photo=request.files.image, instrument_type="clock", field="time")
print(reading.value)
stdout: 12:35
